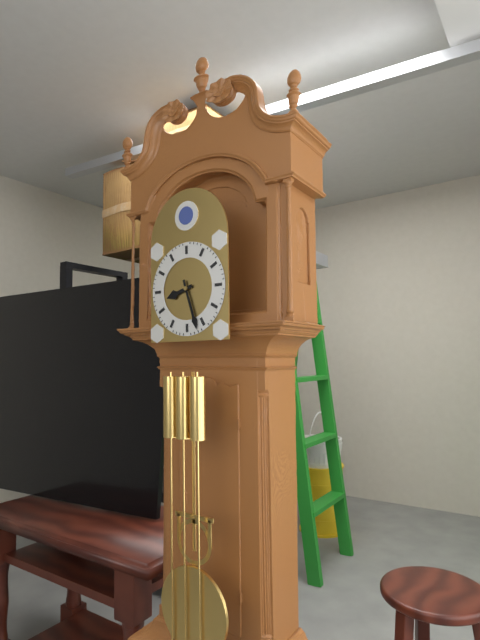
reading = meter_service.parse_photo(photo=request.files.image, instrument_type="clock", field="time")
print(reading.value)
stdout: 8:27
